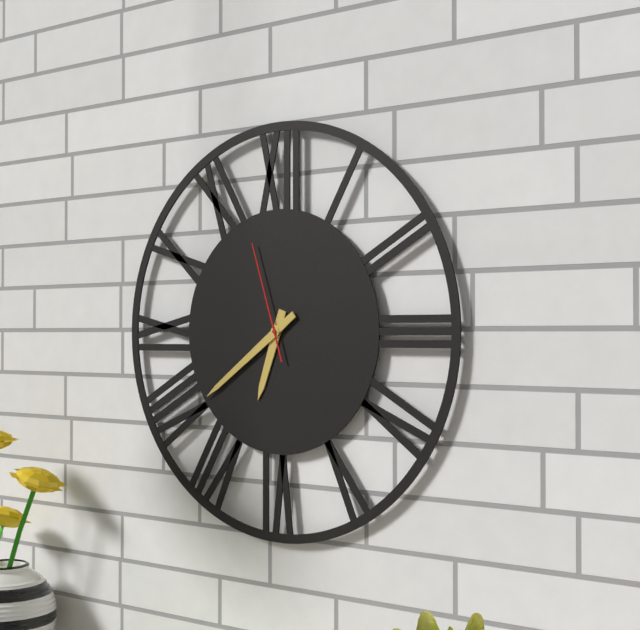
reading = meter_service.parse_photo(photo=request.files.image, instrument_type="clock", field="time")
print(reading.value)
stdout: 6:39:57
